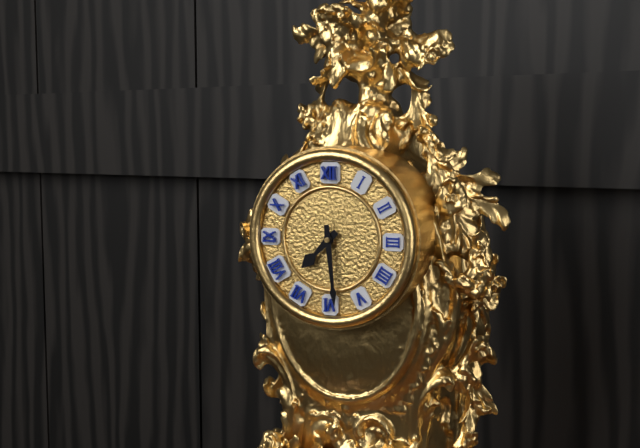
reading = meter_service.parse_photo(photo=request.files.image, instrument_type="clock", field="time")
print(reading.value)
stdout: 7:29
